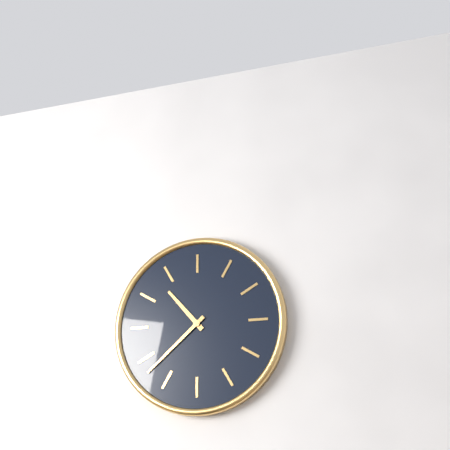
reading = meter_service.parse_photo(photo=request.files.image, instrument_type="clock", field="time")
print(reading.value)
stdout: 10:38
